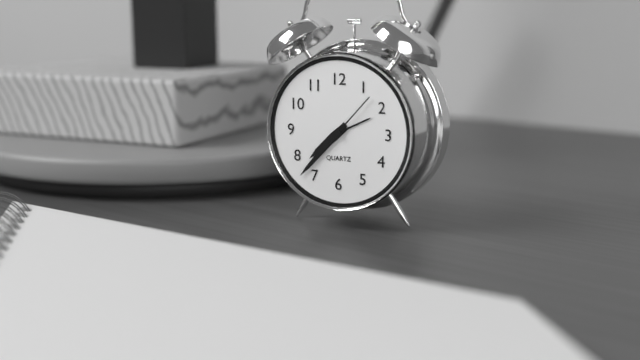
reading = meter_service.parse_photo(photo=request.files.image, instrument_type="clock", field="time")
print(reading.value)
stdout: 7:37:07
